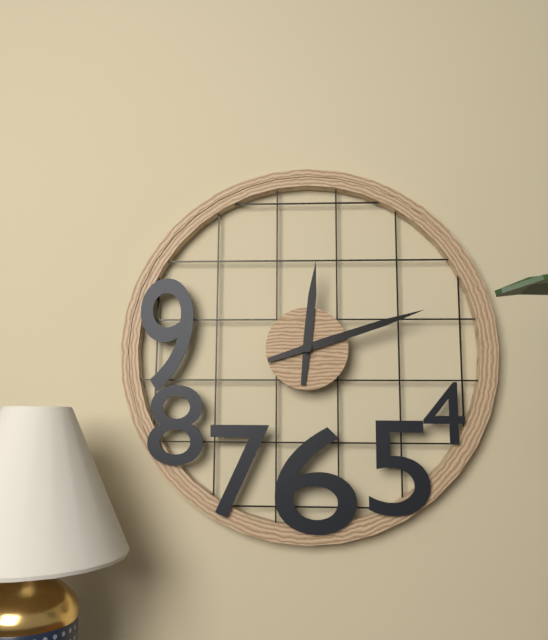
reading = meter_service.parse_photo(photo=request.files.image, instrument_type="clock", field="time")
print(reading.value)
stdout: 12:12
